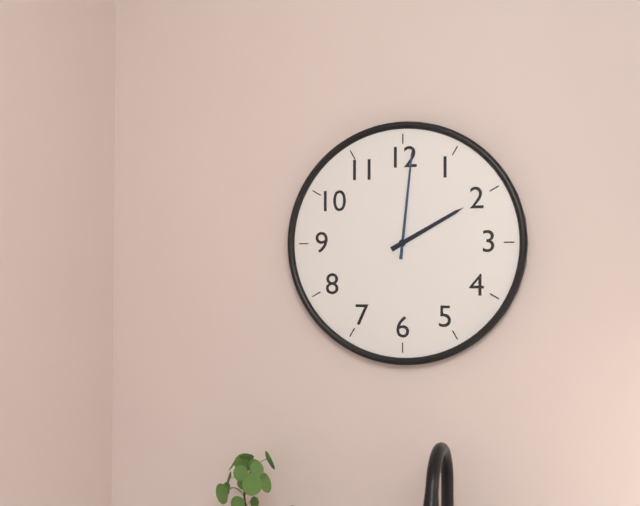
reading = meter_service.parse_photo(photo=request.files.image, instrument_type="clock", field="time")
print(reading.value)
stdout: 2:01
